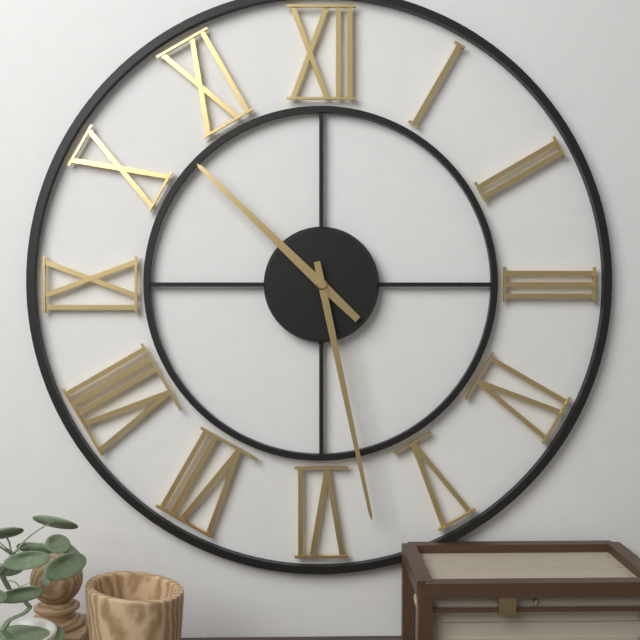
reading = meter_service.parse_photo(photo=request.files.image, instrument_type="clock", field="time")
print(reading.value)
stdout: 10:28
